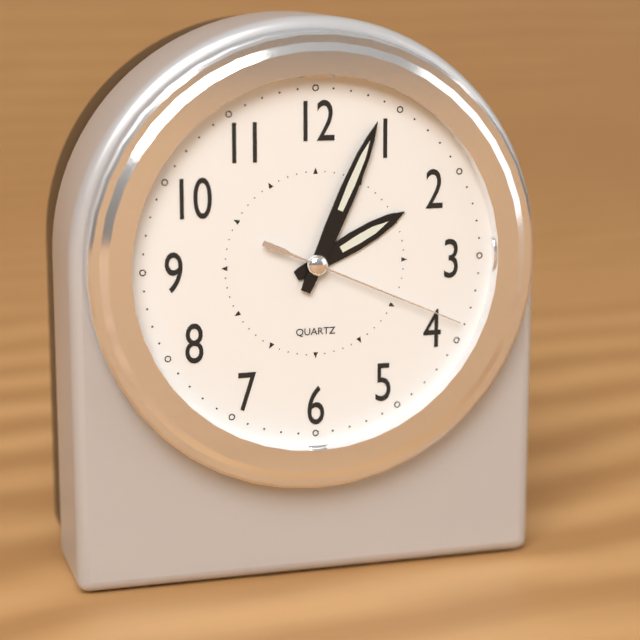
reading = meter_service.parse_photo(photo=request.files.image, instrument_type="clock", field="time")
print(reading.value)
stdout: 2:04:19
